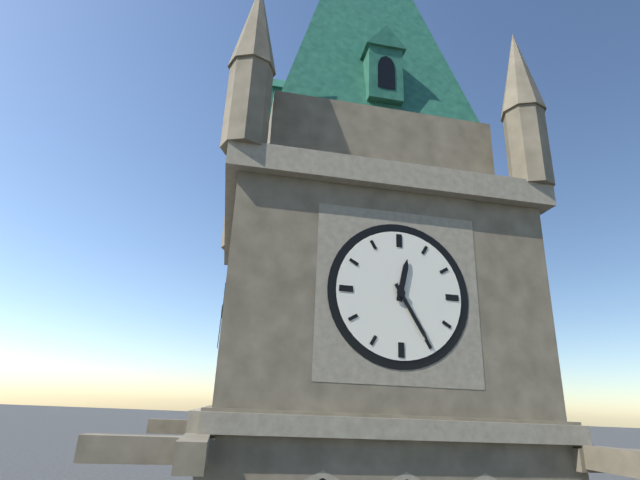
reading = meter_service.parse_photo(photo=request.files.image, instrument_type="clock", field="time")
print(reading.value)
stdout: 12:25
